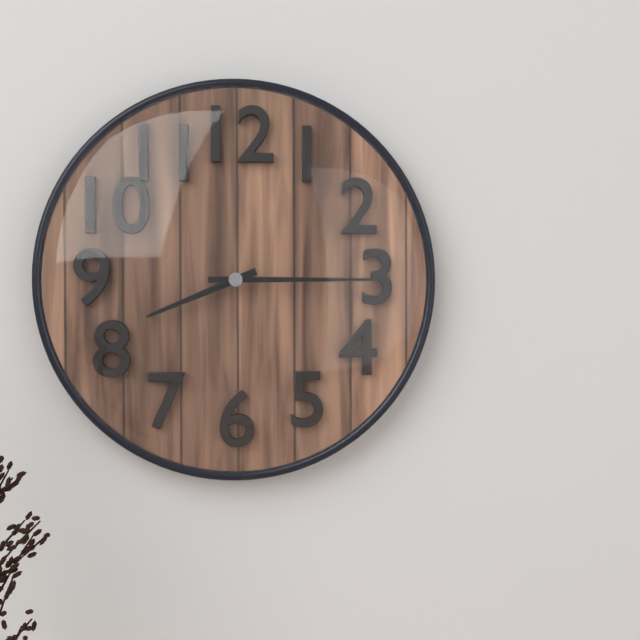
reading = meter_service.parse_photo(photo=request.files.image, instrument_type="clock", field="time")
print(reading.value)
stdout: 8:15
